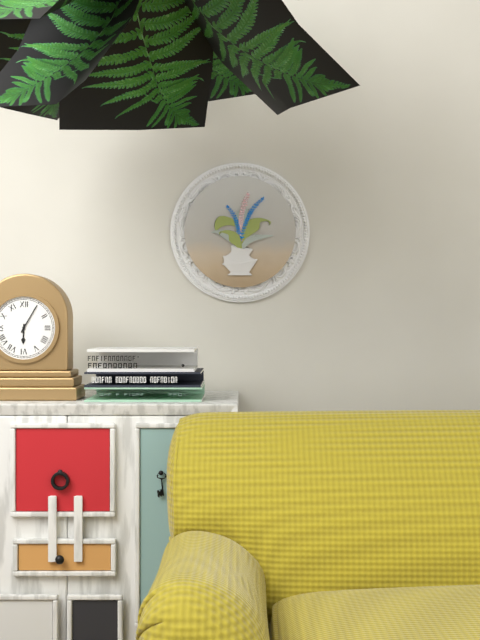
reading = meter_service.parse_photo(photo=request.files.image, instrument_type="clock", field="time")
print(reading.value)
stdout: 6:05
